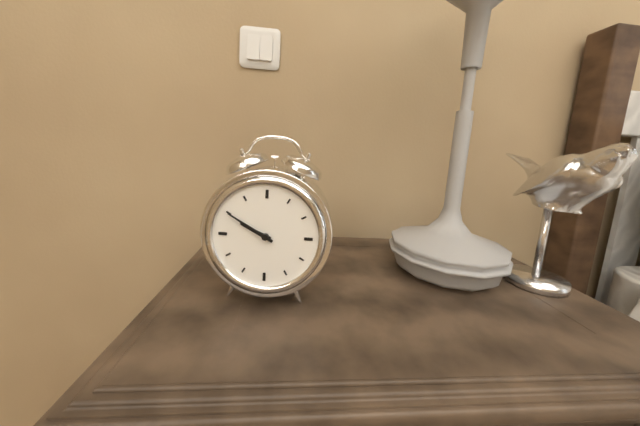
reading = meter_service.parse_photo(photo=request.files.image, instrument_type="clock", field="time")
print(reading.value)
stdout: 9:50
